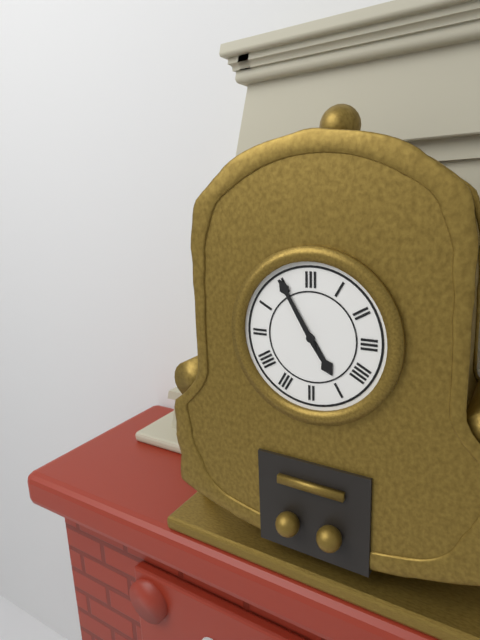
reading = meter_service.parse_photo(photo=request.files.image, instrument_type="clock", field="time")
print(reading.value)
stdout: 4:55
